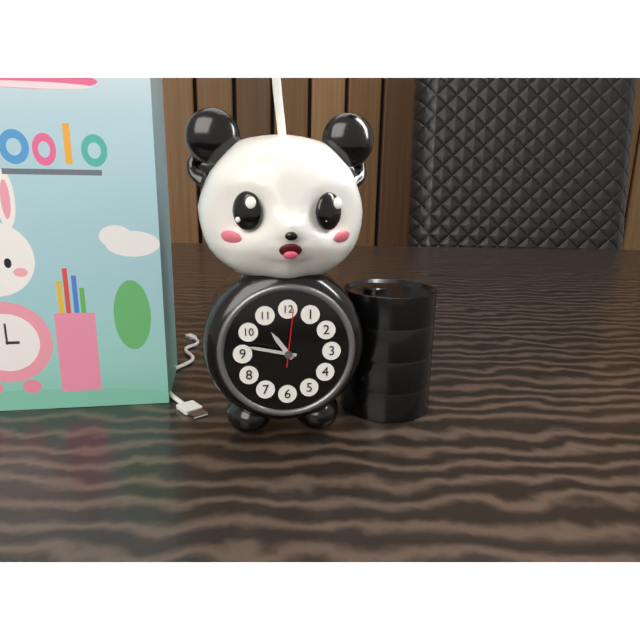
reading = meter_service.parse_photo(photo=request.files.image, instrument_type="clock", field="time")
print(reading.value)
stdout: 10:47:01
